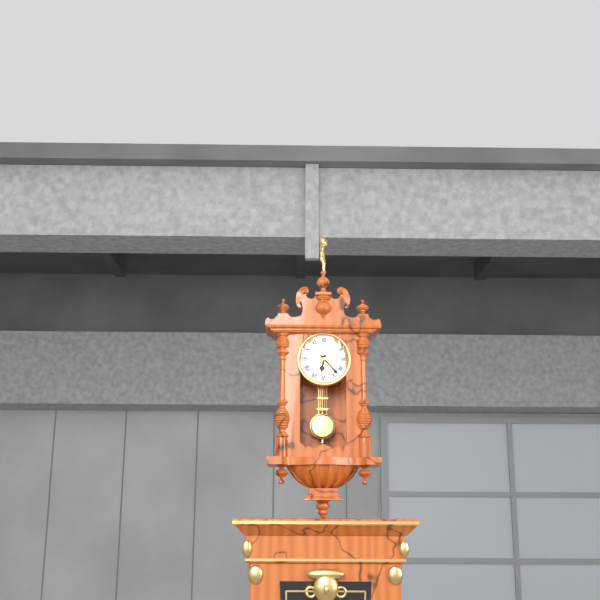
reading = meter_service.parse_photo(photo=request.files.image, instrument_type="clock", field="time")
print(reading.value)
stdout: 6:23
